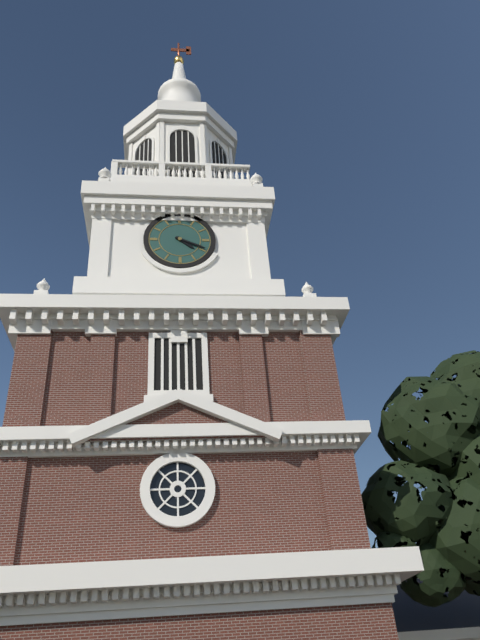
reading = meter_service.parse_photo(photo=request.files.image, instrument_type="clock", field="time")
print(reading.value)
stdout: 4:19
